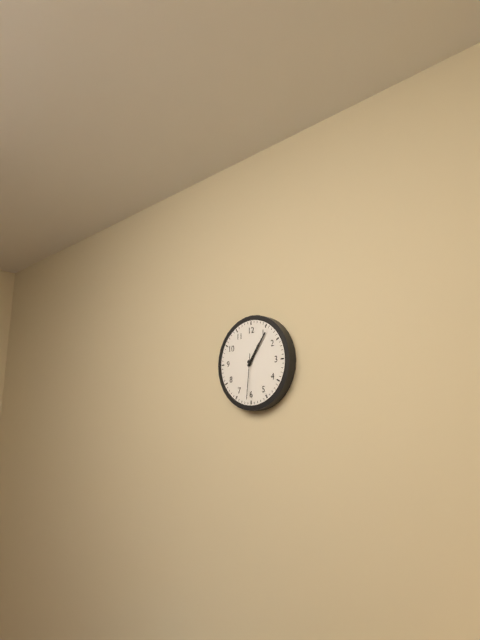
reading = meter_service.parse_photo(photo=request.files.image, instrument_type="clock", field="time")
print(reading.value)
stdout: 1:06
